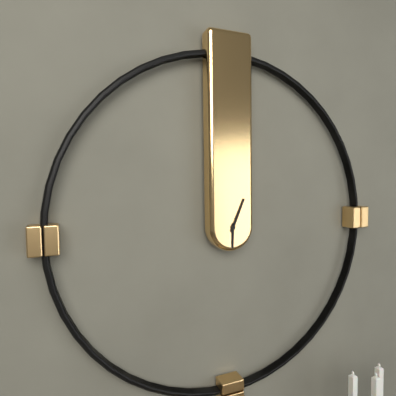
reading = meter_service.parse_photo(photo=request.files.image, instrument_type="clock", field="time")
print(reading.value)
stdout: 6:04
